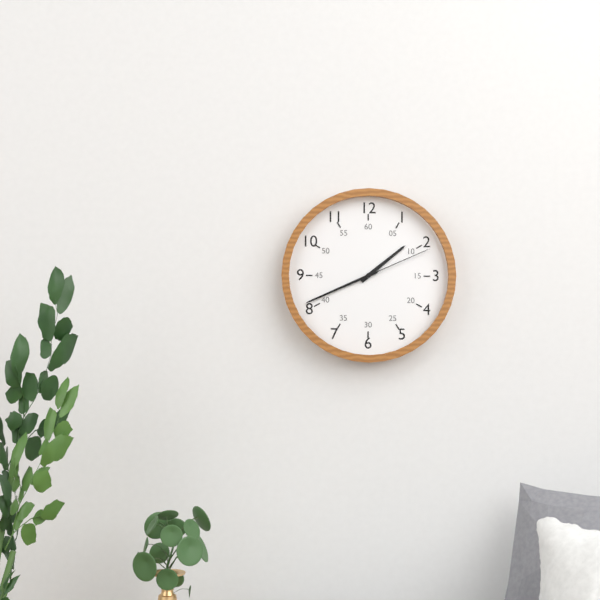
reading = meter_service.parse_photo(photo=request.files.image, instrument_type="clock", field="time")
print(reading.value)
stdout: 1:41:11
